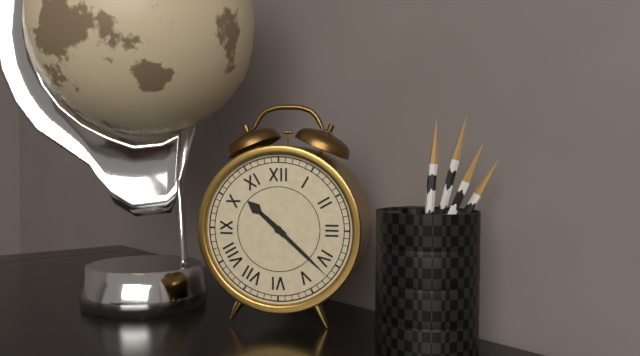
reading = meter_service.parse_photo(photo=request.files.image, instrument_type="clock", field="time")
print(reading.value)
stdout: 10:22
